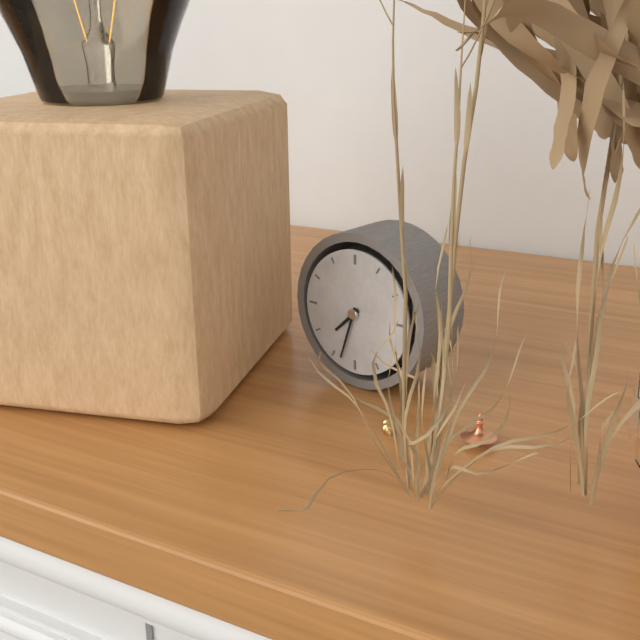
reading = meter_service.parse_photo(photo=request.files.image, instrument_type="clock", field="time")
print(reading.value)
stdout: 7:33
